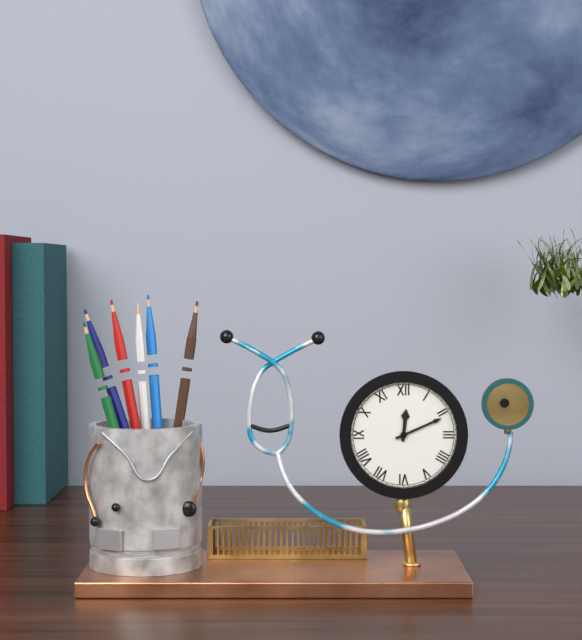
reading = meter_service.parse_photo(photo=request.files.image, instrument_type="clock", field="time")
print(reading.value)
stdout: 12:11
